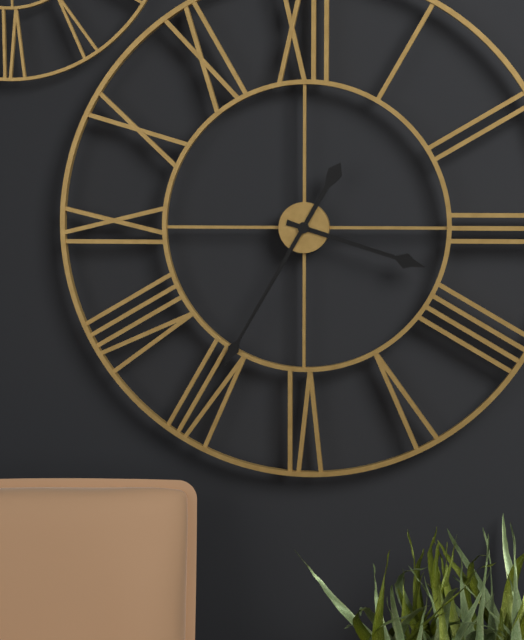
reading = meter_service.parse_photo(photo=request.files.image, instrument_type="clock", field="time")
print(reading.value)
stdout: 3:35
